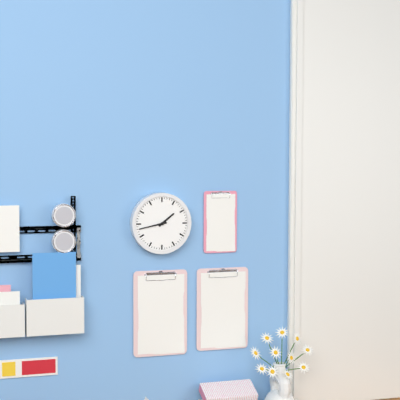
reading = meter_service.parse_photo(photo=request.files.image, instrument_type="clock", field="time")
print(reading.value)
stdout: 1:43
